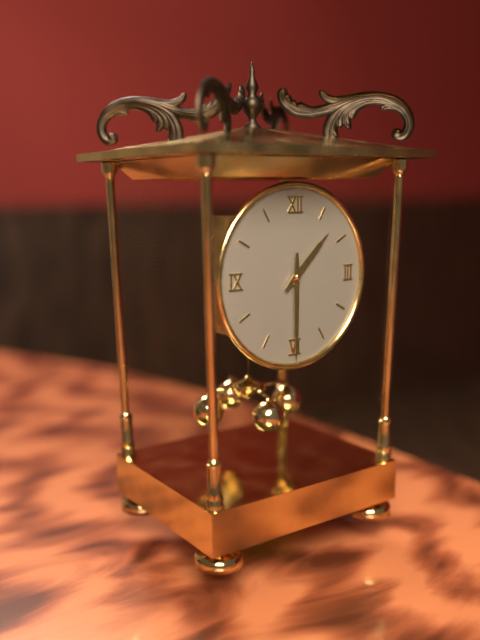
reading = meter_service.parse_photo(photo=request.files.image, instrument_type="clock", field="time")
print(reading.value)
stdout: 1:30
